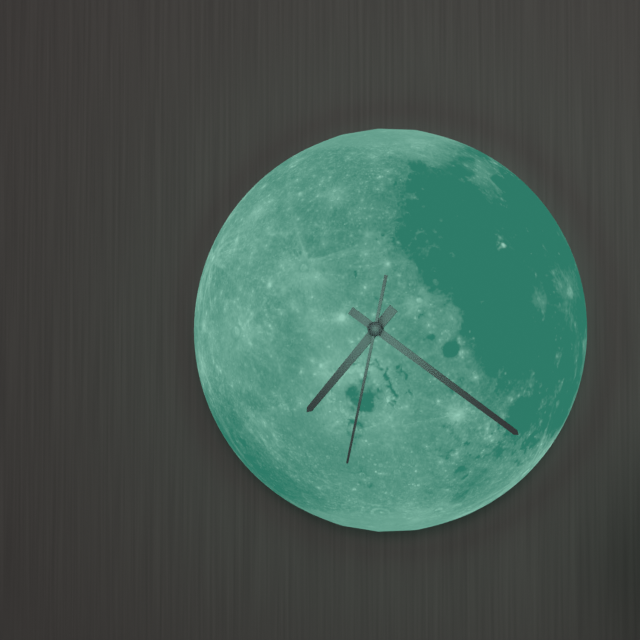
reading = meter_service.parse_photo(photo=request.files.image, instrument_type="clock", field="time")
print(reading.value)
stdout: 7:21:32
